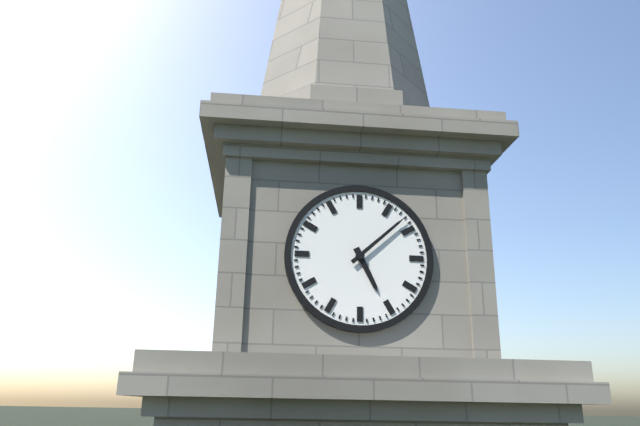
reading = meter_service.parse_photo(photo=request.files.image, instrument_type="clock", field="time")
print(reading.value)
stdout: 5:08
